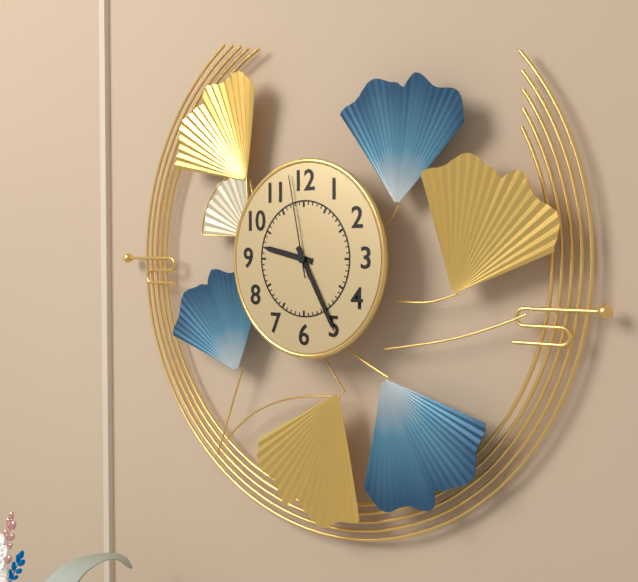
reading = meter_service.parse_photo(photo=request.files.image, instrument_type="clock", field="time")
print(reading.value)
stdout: 9:25:58
